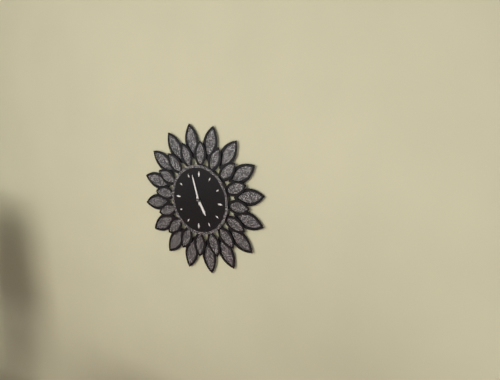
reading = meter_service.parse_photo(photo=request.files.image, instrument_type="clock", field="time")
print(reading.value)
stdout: 4:57
